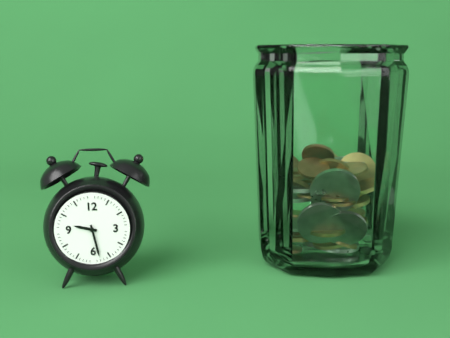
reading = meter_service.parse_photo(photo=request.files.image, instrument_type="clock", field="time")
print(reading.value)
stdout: 9:28
